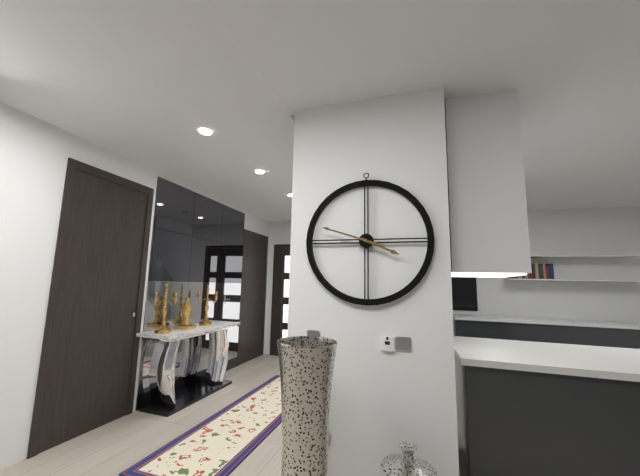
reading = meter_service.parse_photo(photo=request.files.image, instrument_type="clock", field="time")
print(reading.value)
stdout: 3:48
